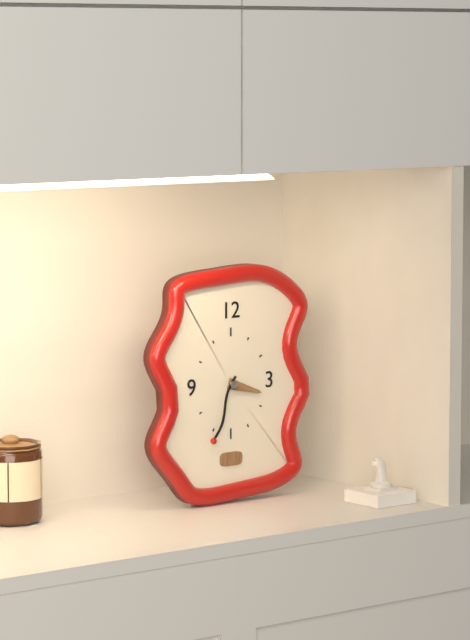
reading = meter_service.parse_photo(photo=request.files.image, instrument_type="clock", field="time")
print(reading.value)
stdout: 3:34
